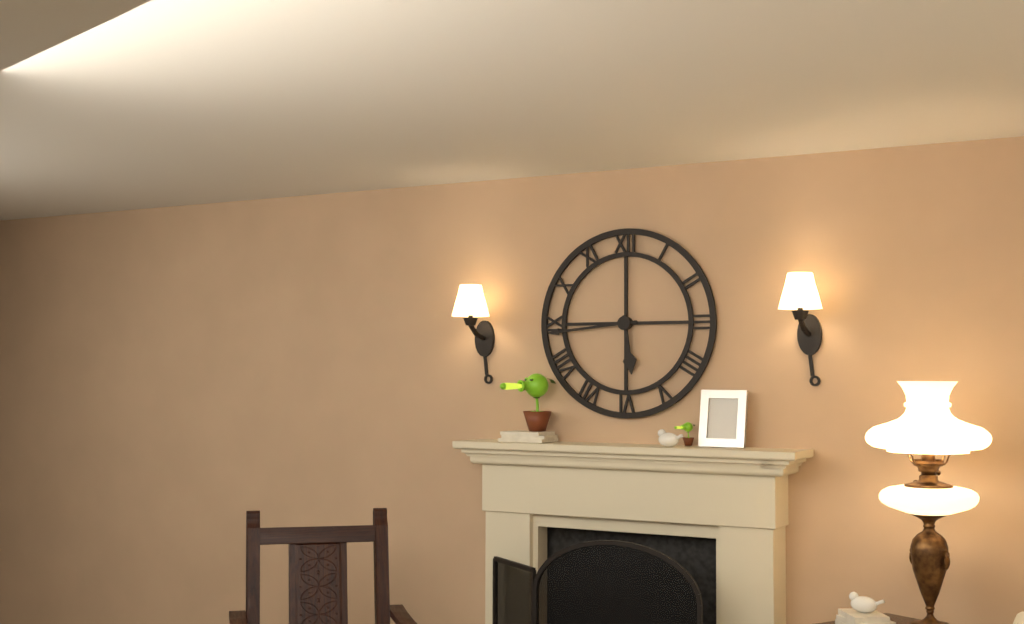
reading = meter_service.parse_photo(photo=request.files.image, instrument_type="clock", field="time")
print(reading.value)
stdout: 5:44
